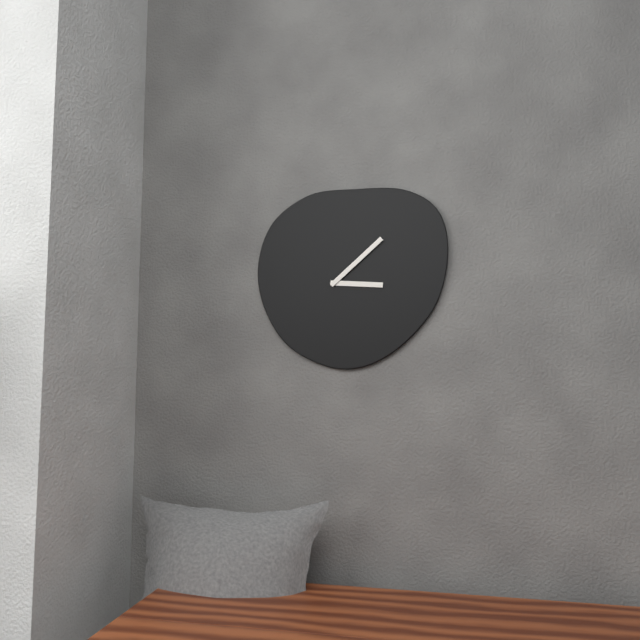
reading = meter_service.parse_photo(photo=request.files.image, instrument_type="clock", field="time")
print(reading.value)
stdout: 3:08
